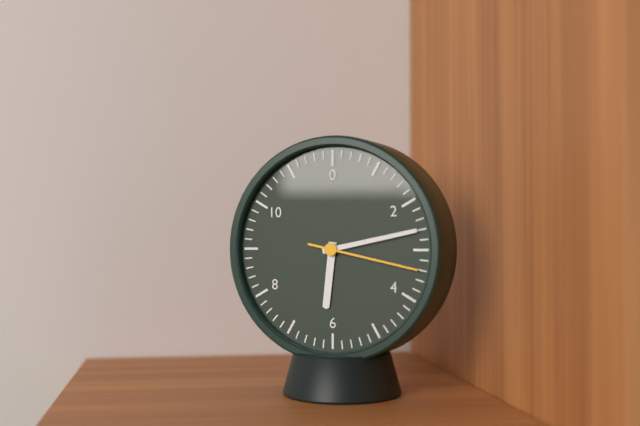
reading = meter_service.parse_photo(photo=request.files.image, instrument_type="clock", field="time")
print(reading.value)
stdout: 6:13:17
